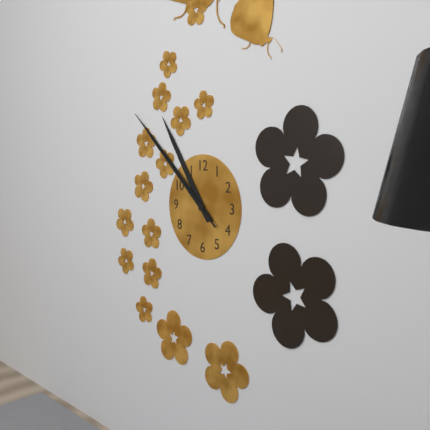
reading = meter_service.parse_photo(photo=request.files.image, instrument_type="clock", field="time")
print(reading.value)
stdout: 10:52:52
